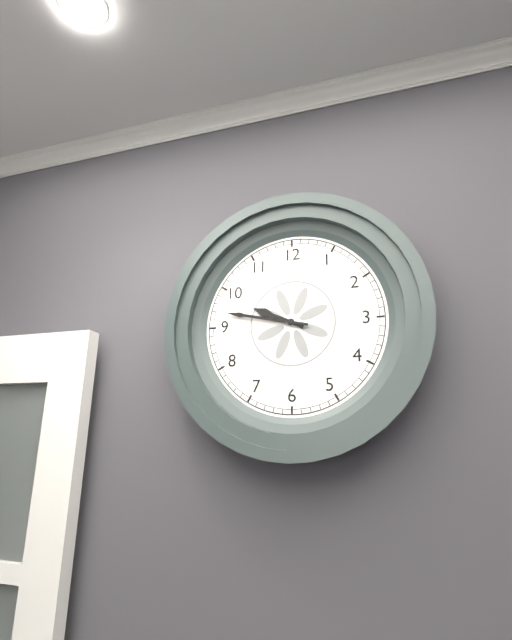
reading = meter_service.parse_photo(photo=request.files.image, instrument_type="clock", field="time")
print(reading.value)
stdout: 9:47
